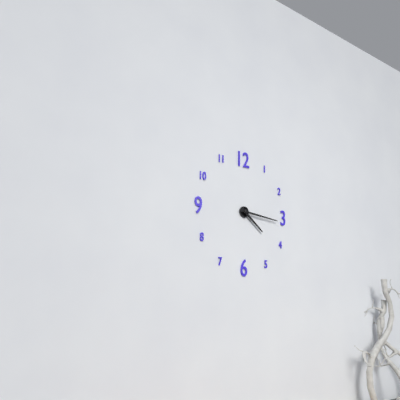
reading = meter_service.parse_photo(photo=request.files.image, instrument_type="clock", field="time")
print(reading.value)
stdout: 4:16
